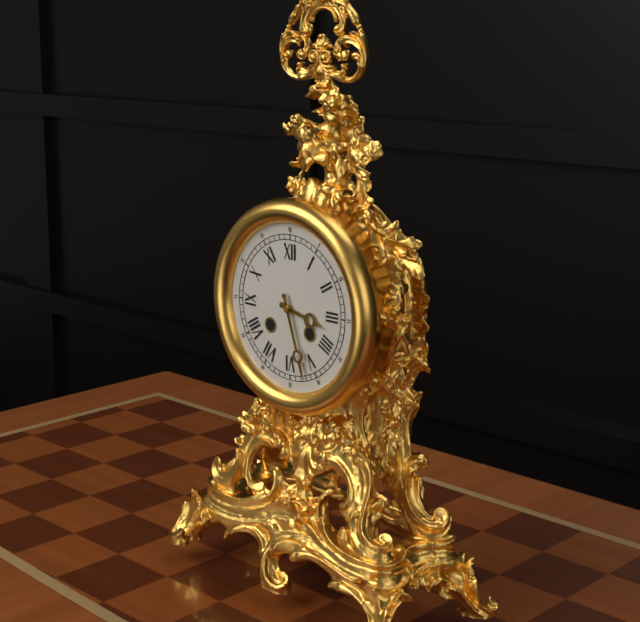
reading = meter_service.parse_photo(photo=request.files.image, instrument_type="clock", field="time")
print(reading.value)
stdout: 3:27
